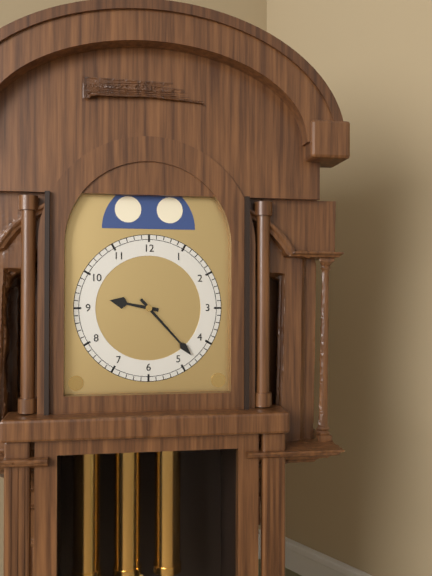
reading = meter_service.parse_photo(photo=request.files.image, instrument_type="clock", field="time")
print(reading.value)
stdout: 9:23
